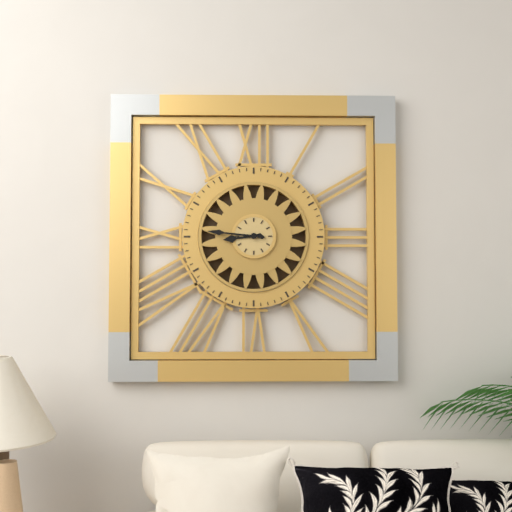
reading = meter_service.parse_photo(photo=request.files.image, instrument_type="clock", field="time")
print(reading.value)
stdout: 8:46
